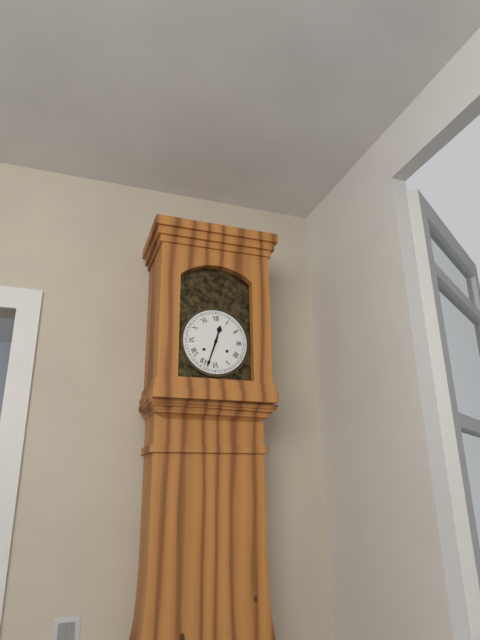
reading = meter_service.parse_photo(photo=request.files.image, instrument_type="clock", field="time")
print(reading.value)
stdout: 12:33
